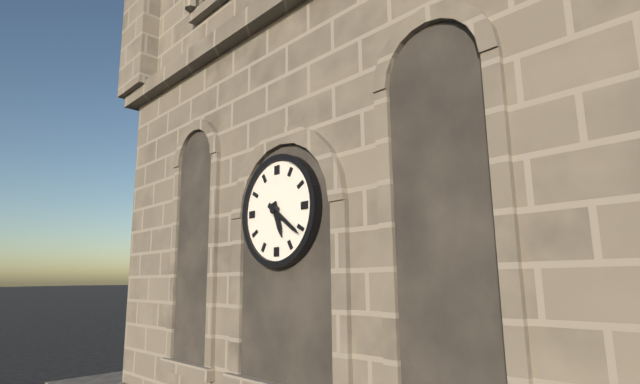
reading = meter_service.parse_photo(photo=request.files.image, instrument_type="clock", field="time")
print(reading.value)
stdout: 5:21
